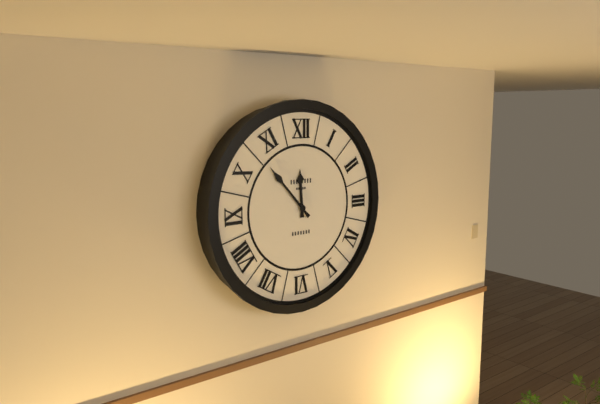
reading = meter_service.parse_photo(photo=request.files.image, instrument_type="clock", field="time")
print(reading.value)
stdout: 11:53
